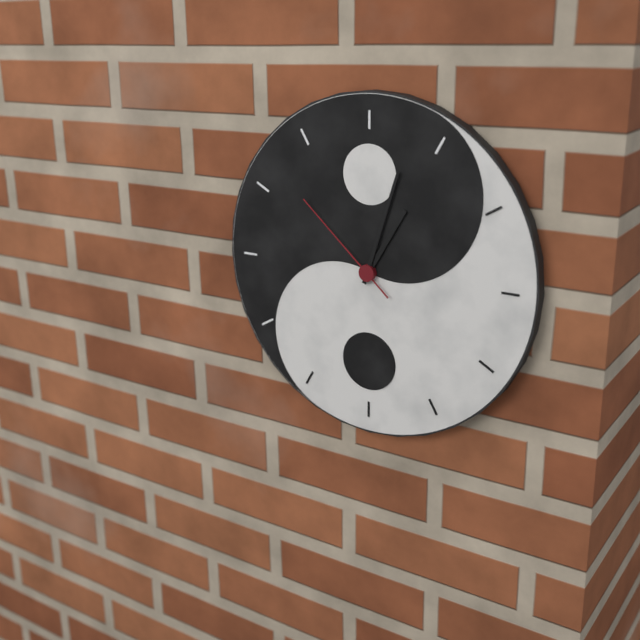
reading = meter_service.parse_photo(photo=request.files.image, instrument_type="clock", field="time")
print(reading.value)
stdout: 1:03:52
